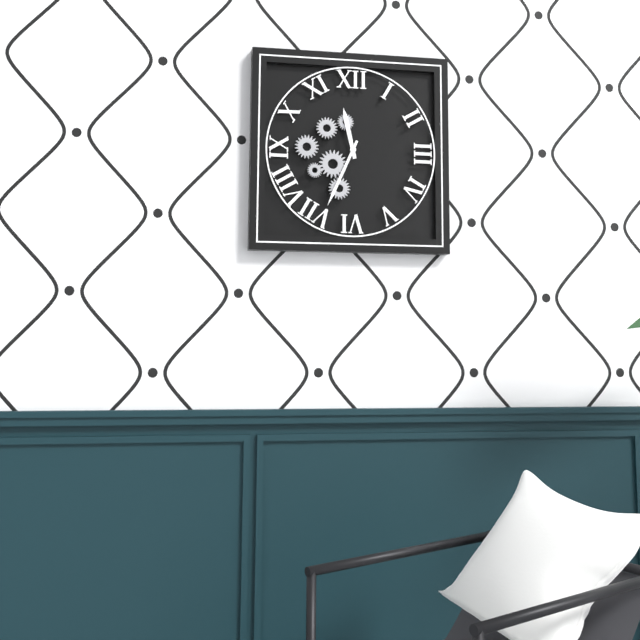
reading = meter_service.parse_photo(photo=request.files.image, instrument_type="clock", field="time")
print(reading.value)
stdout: 11:34
